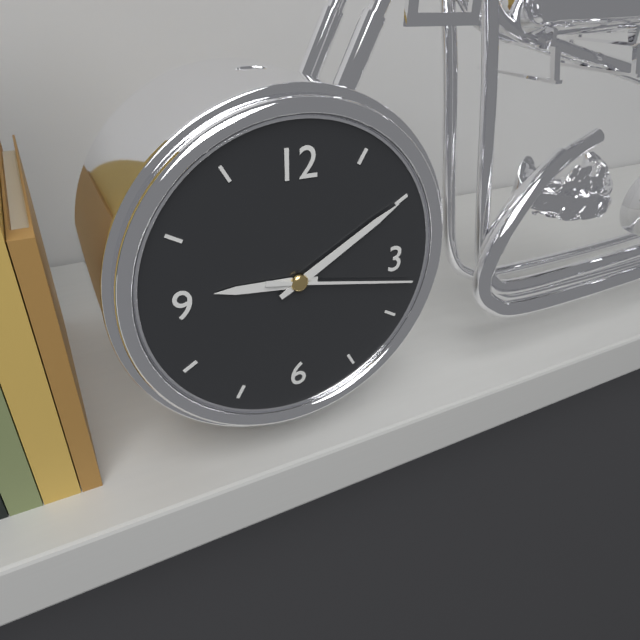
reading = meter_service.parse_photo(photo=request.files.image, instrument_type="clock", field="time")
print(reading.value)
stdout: 9:10:17
